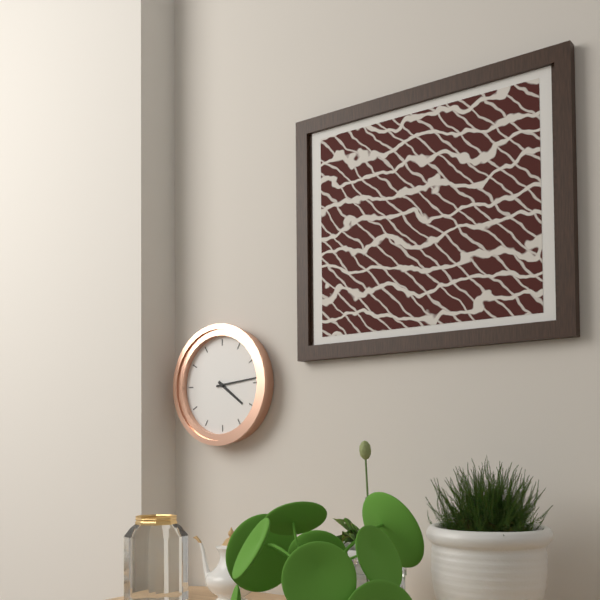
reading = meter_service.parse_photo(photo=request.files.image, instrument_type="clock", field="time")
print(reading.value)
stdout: 4:14
